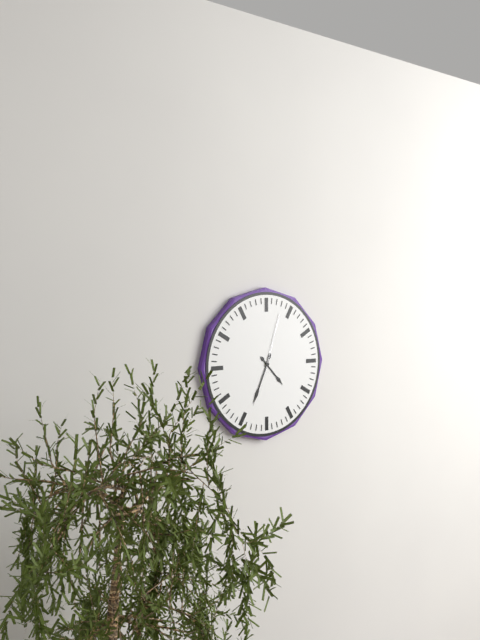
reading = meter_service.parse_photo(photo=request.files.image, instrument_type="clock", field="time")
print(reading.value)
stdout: 4:34:03
